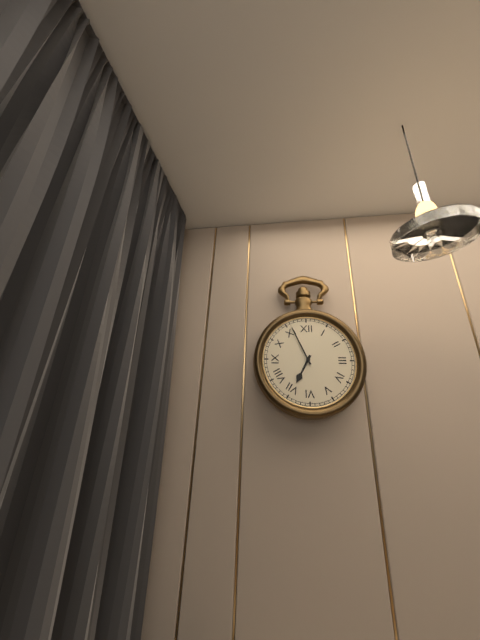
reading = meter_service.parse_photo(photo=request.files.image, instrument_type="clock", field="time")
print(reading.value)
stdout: 6:56
